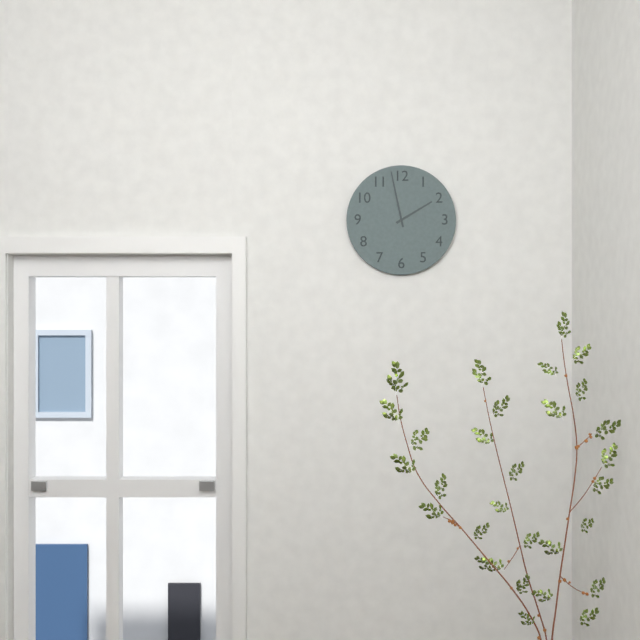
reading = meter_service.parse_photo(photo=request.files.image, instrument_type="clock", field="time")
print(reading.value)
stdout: 1:58
